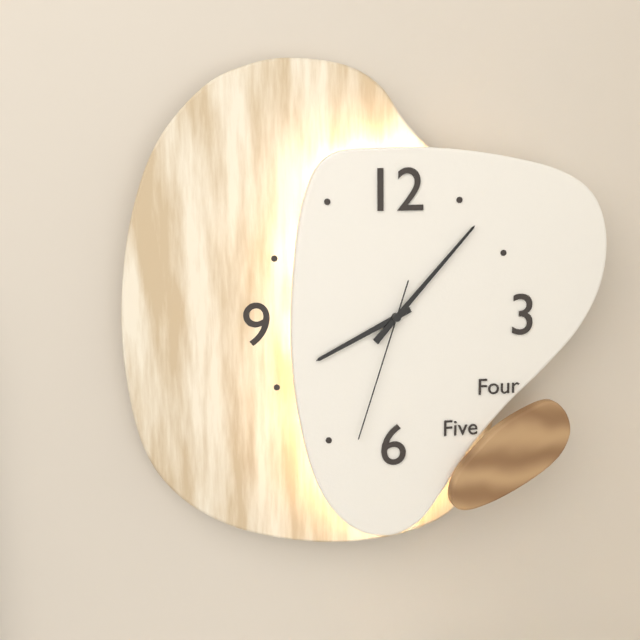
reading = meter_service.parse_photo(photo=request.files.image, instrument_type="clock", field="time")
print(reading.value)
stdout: 8:07:33
